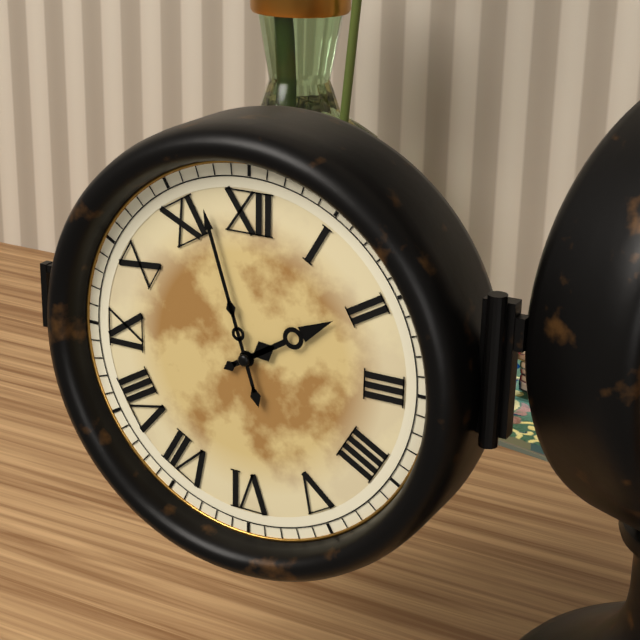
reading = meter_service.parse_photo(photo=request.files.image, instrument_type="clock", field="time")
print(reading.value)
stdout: 1:57
